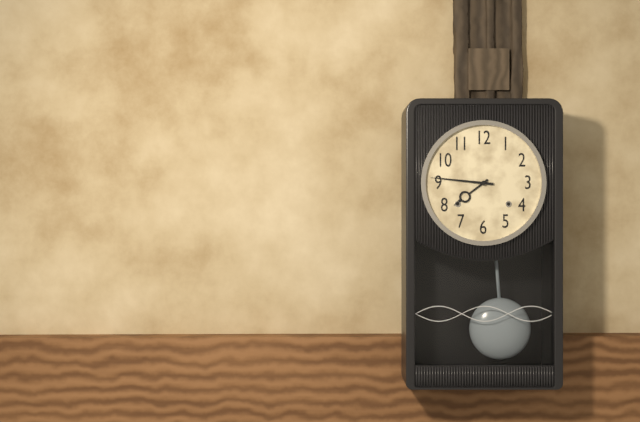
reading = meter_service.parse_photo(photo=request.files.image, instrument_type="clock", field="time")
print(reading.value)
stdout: 7:46
